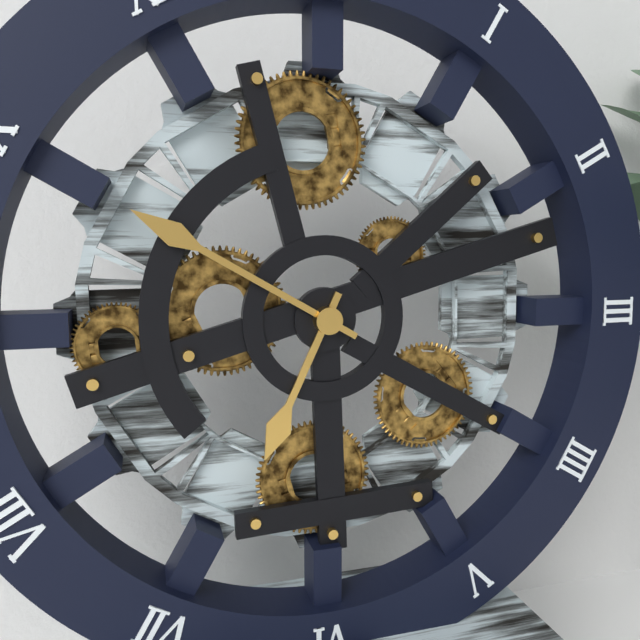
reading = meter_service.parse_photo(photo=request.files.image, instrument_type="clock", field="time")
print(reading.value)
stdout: 6:50
